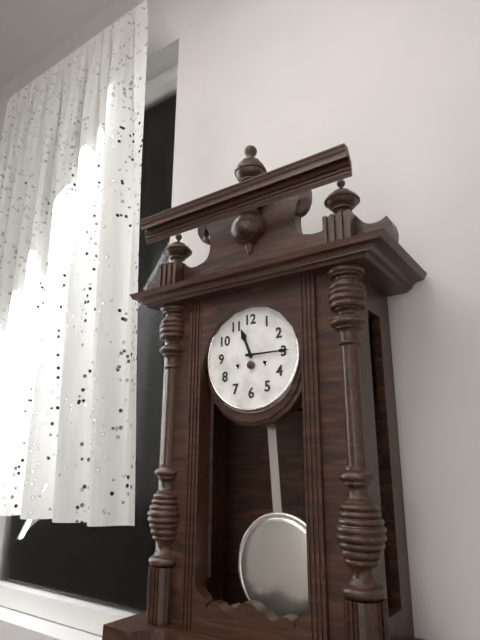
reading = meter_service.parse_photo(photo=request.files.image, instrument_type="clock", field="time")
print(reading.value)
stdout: 11:15
